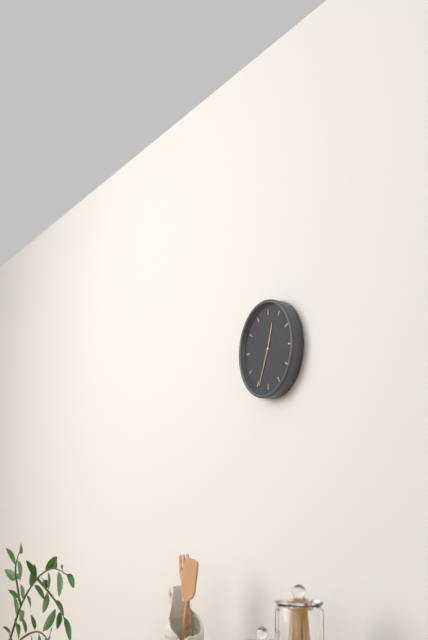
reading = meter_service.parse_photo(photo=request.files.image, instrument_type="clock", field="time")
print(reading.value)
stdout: 12:34
